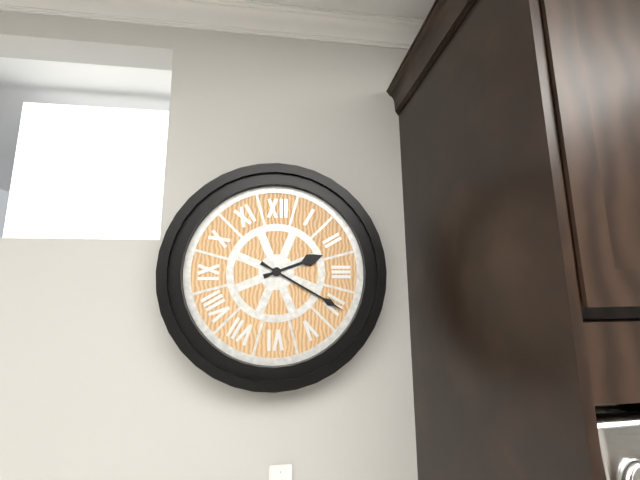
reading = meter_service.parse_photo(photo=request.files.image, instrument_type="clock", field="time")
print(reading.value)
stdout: 2:20
